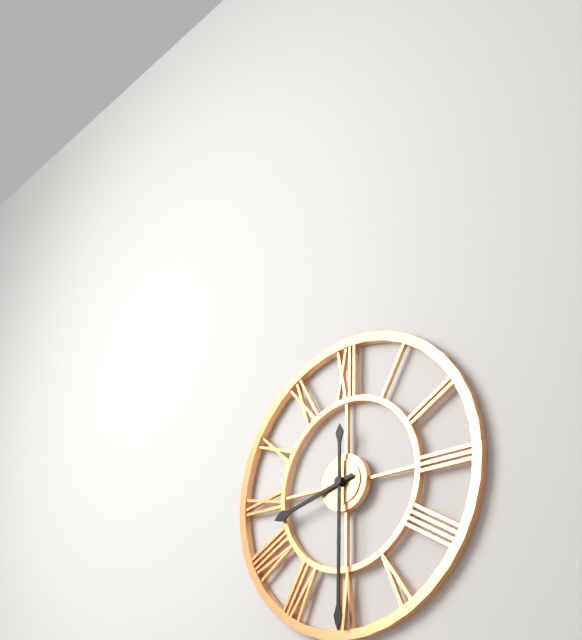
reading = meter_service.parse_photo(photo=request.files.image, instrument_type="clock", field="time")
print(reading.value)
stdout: 8:30
